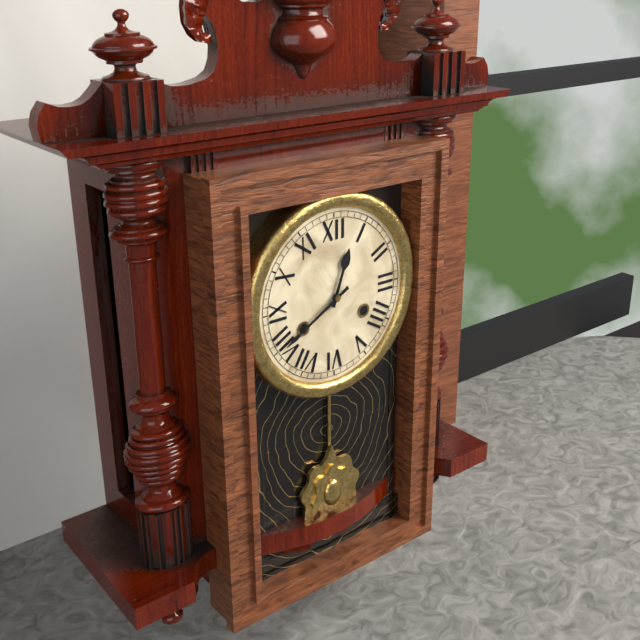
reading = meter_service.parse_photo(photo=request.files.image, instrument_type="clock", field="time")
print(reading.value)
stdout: 12:40
